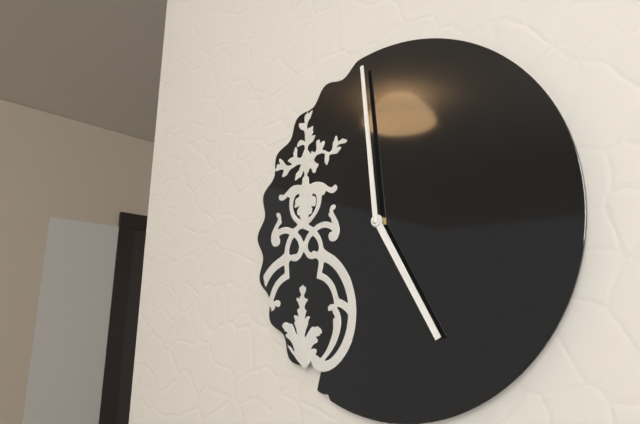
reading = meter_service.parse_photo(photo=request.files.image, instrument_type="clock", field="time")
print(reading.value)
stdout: 4:59
